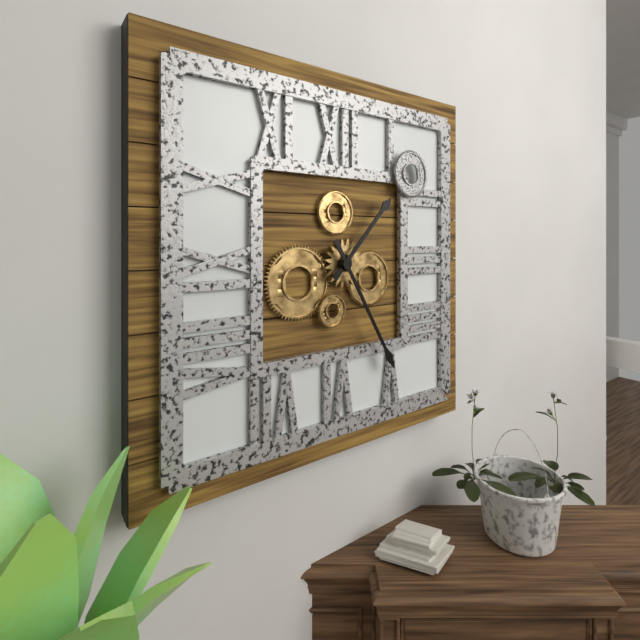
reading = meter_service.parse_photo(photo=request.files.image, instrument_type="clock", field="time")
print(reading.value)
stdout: 1:25
